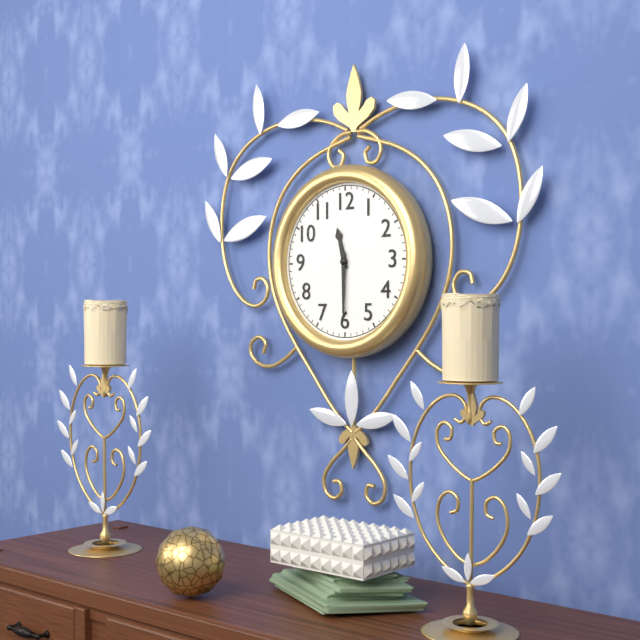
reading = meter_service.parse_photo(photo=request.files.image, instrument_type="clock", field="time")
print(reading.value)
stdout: 11:30
